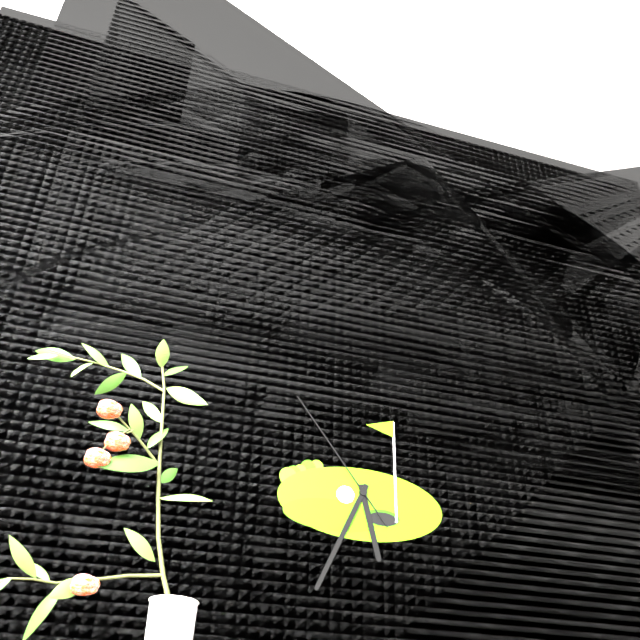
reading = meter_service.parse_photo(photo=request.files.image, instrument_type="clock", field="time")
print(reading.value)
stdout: 5:34:54
